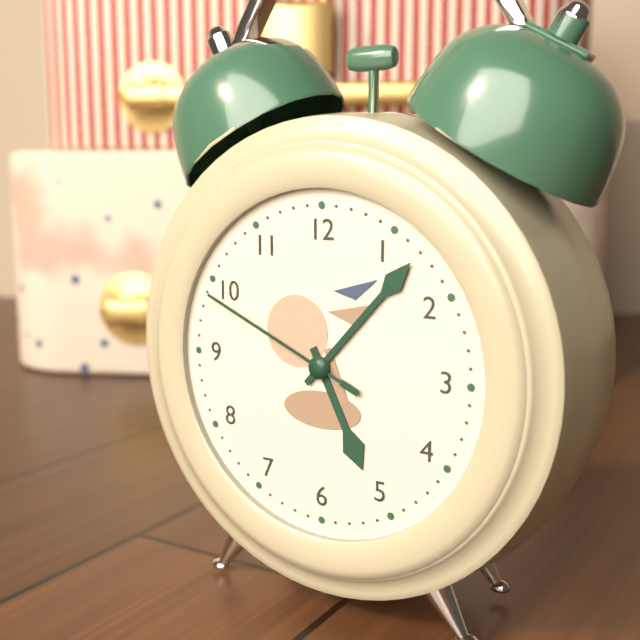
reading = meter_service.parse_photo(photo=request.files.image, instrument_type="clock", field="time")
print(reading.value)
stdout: 5:07:49
